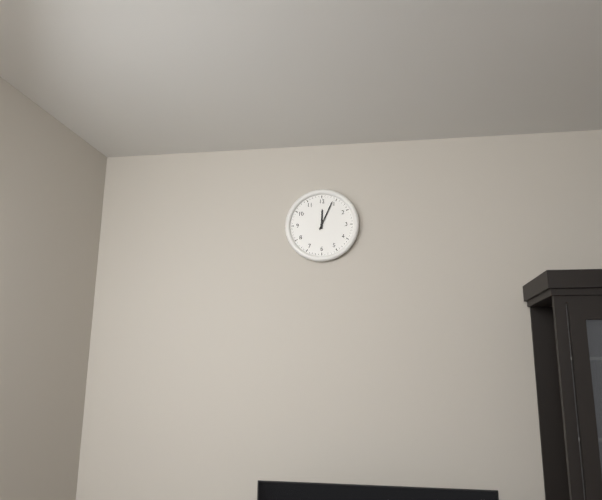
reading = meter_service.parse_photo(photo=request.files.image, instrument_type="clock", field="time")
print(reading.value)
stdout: 12:04
